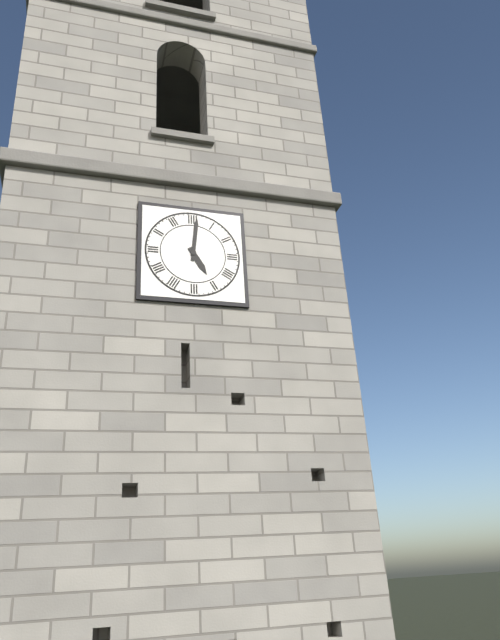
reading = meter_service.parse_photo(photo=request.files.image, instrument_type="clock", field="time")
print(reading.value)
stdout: 5:01
